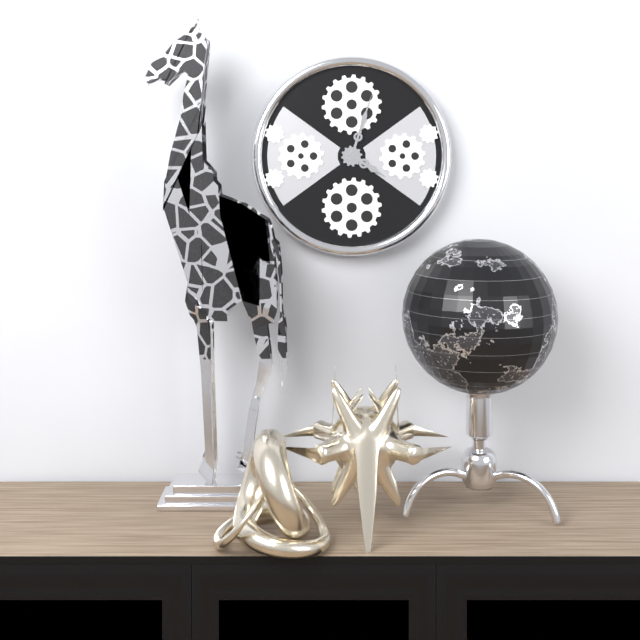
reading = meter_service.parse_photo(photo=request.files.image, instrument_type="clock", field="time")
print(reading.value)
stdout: 4:03
